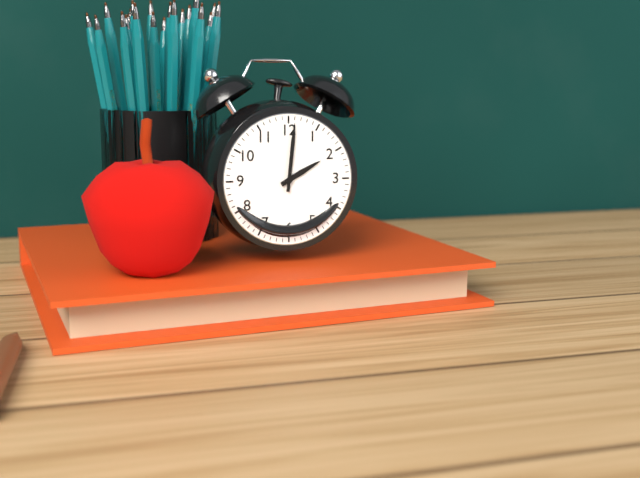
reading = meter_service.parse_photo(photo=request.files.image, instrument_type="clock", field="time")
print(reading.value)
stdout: 2:01
